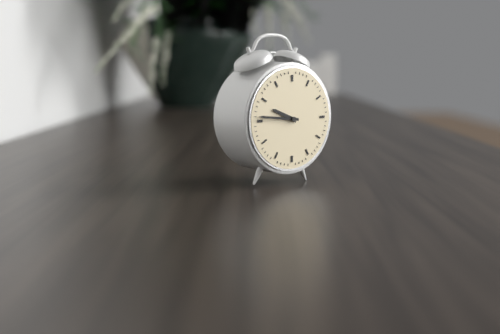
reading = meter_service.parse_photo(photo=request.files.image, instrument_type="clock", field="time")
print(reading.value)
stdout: 9:46
